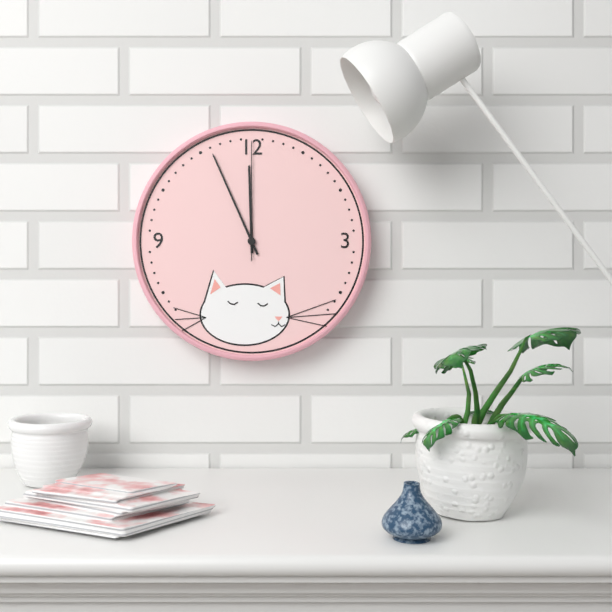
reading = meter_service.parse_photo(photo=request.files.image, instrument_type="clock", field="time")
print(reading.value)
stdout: 11:56:00
